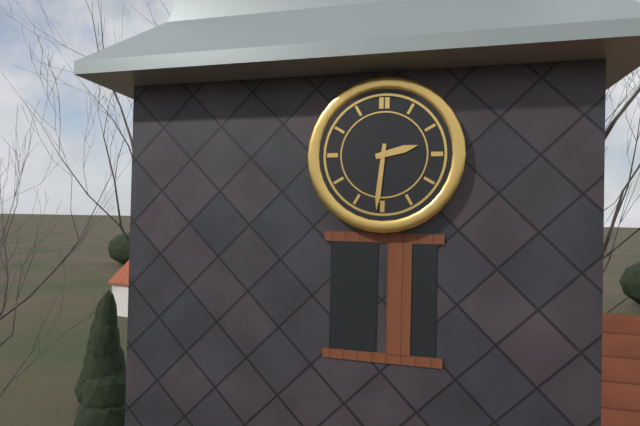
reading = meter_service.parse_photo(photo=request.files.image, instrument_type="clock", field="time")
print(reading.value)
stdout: 2:31
